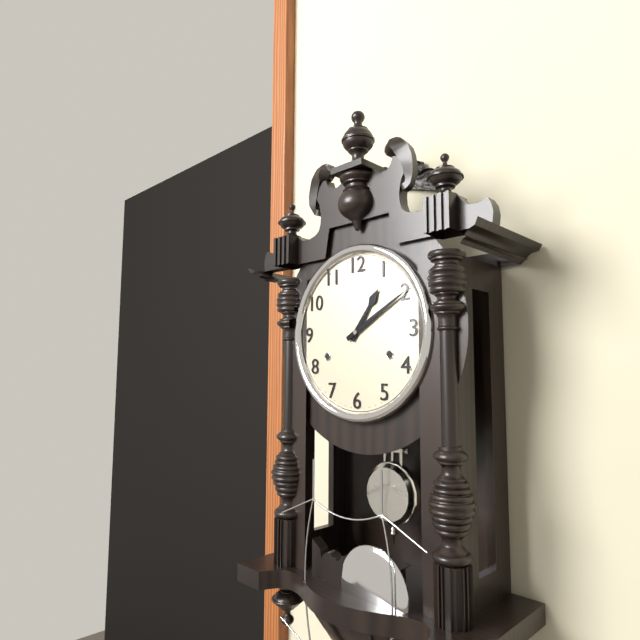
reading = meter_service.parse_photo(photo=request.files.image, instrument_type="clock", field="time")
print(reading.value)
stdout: 1:10
